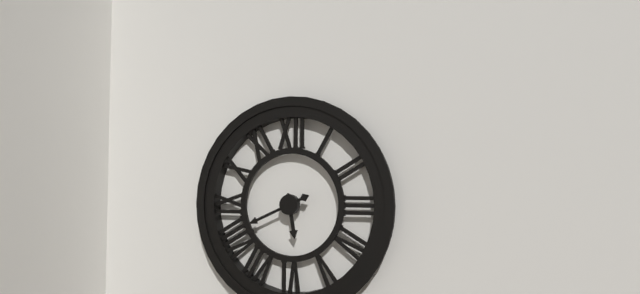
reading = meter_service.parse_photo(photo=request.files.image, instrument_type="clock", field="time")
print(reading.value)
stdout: 5:41
